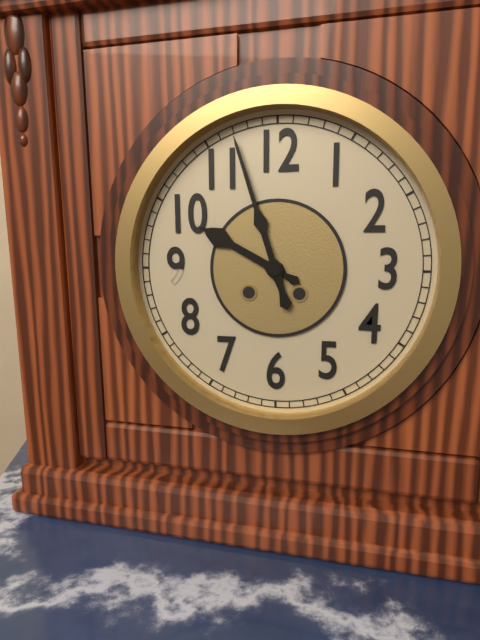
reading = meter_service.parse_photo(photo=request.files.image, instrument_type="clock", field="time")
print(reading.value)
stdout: 9:57
